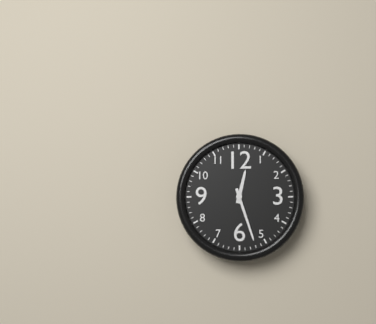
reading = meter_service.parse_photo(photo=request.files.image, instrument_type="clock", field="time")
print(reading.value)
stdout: 12:27
